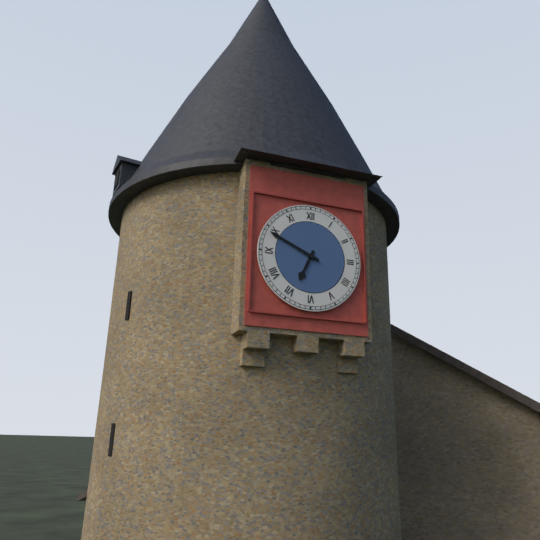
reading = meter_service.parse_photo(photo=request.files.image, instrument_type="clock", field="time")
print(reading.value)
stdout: 6:49
